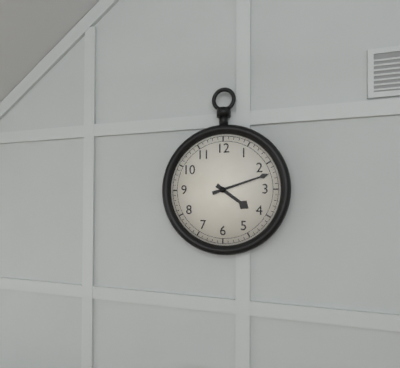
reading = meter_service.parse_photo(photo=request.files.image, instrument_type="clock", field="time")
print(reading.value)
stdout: 4:12
